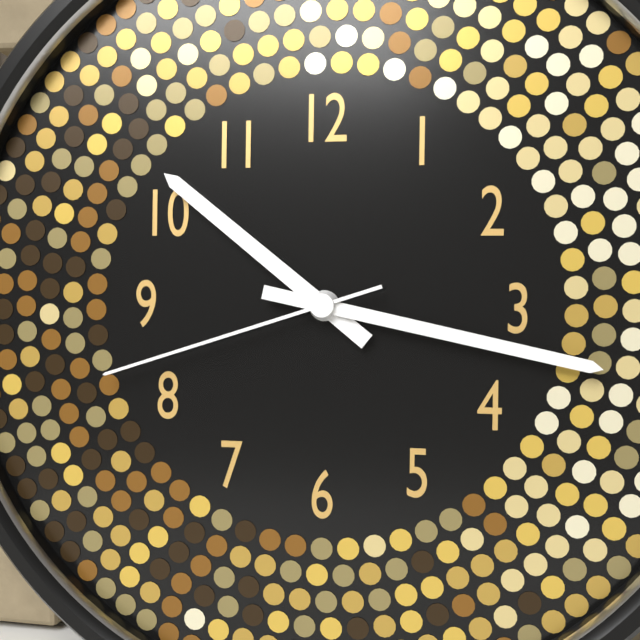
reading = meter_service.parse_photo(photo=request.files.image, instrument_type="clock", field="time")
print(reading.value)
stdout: 10:17:42
